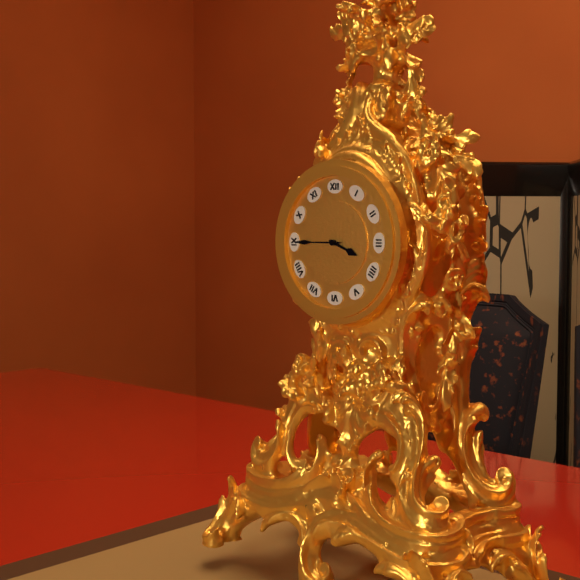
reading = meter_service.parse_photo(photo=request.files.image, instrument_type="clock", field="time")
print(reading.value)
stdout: 3:45
